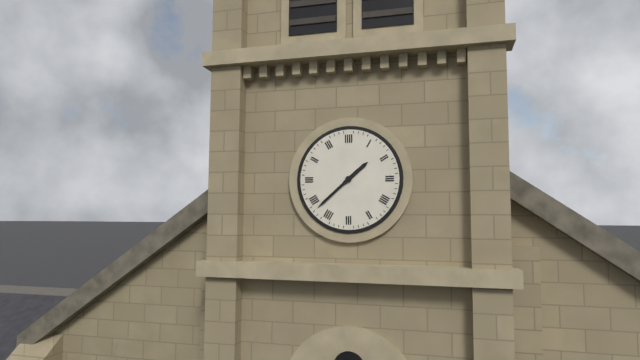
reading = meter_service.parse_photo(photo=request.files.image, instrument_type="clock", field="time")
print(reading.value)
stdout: 1:38
